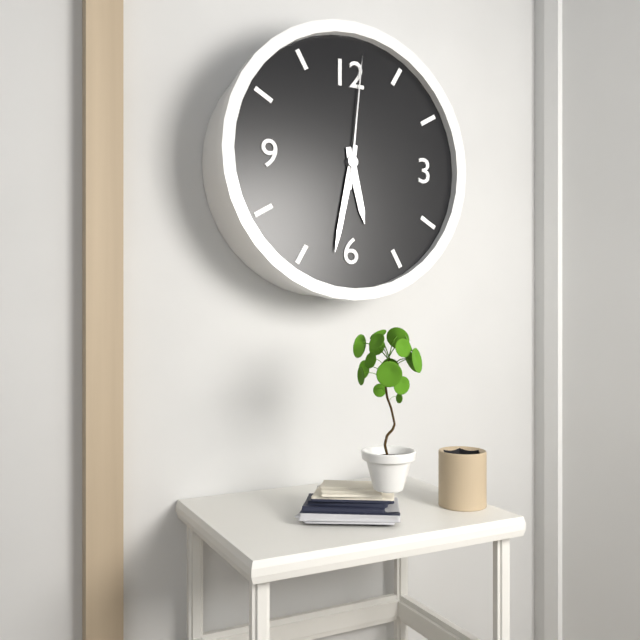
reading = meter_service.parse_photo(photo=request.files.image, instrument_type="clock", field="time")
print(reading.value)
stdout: 5:32:01
